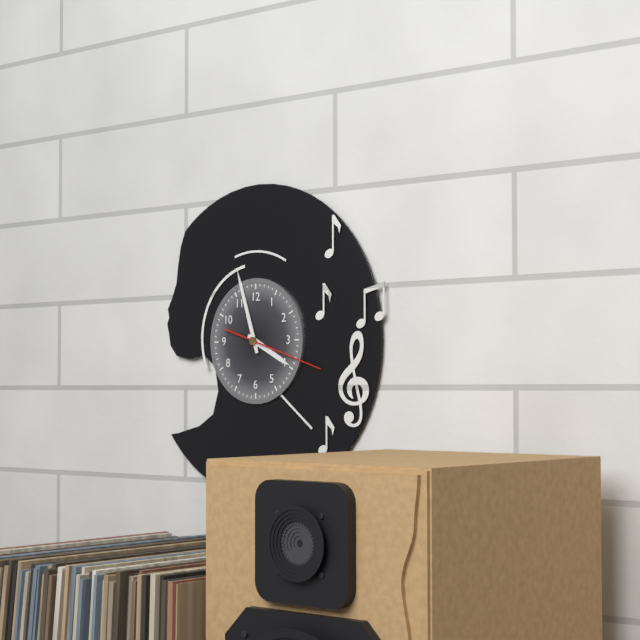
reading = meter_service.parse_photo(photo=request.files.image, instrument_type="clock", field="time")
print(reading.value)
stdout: 3:57:18
